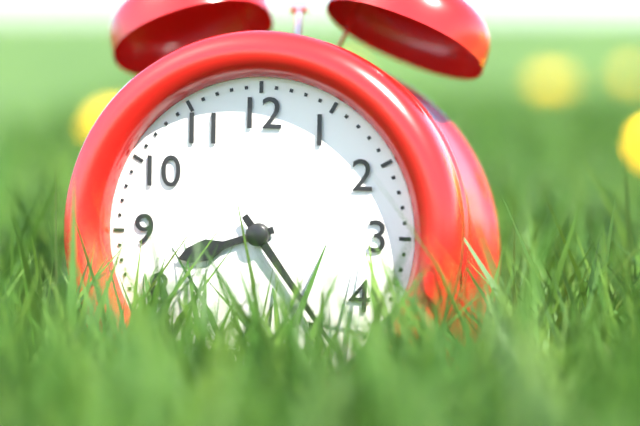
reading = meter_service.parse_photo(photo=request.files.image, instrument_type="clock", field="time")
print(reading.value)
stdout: 8:24
